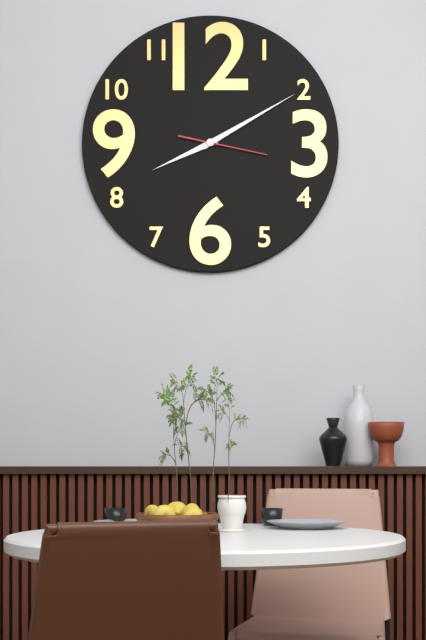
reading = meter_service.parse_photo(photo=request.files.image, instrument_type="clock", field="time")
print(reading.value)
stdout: 8:10:17
